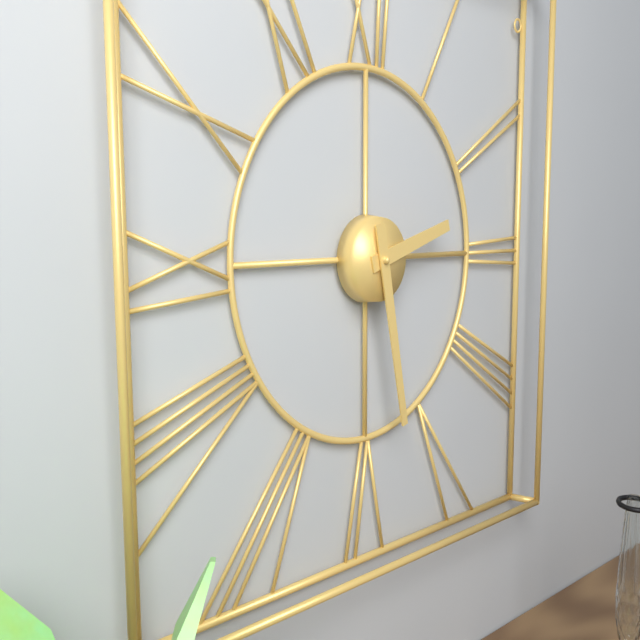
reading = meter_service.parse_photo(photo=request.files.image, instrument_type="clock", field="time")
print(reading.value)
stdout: 2:28
